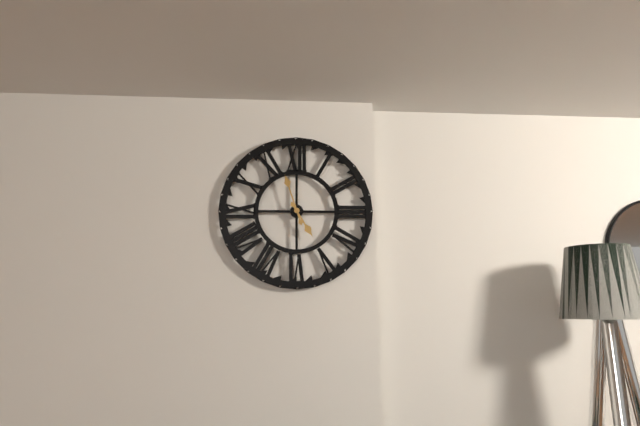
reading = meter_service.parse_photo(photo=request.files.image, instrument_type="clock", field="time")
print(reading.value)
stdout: 4:57
